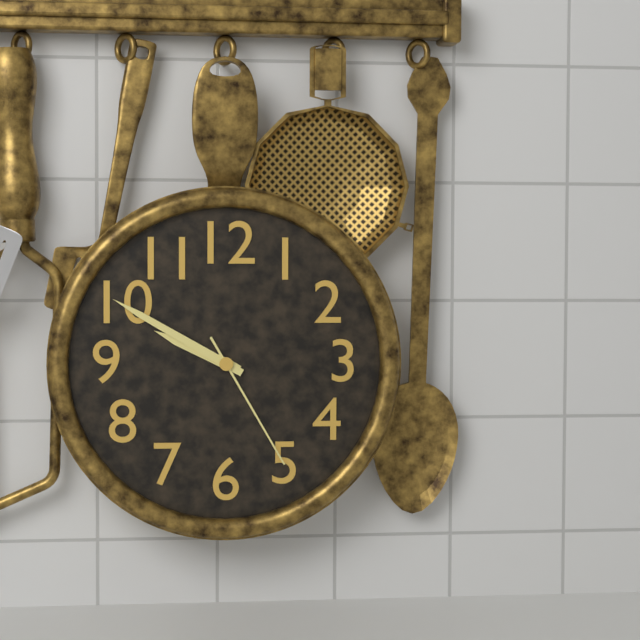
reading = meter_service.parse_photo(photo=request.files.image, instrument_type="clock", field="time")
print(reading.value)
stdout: 9:50:25
